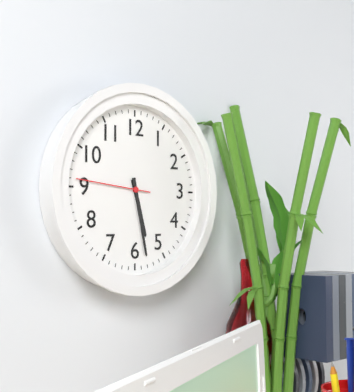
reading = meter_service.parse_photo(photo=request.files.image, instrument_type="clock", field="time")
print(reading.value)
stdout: 5:28:46
